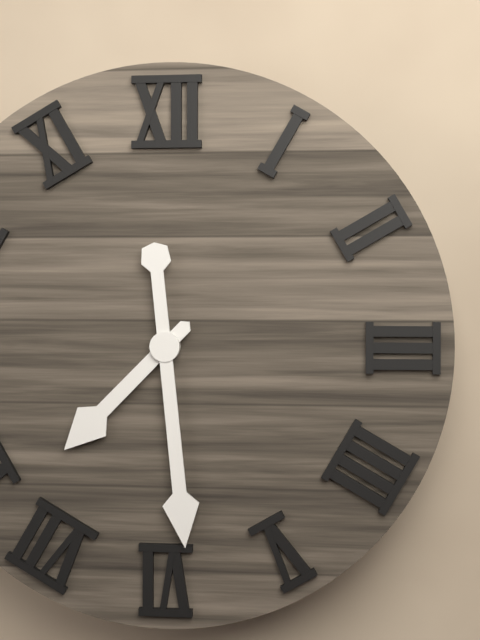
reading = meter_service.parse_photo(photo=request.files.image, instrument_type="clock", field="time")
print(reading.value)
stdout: 7:29
